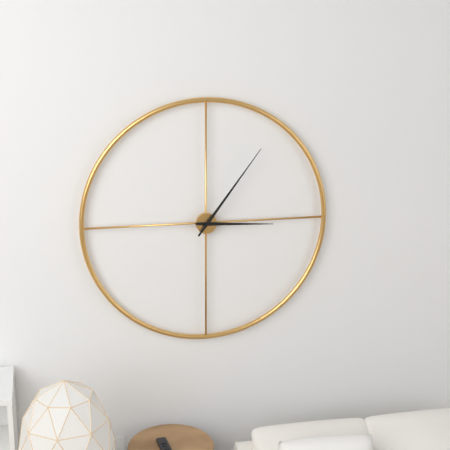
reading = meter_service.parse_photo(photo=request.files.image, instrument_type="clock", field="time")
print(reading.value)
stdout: 3:06
